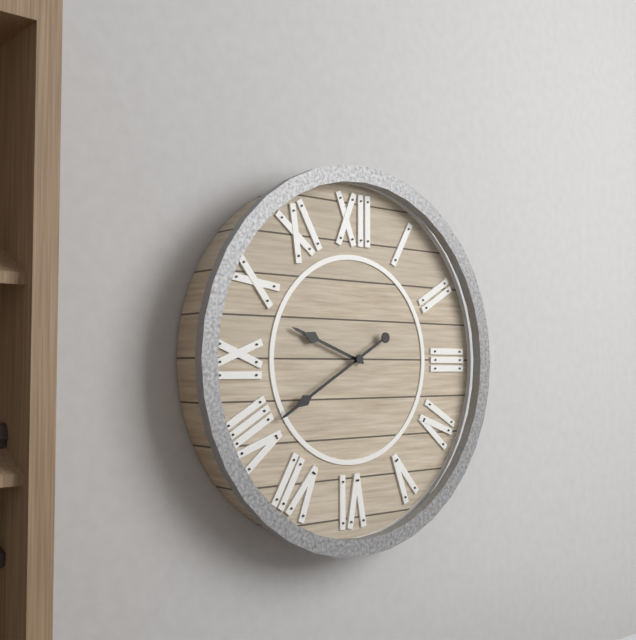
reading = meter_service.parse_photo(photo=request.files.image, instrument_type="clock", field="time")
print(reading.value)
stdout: 9:40
